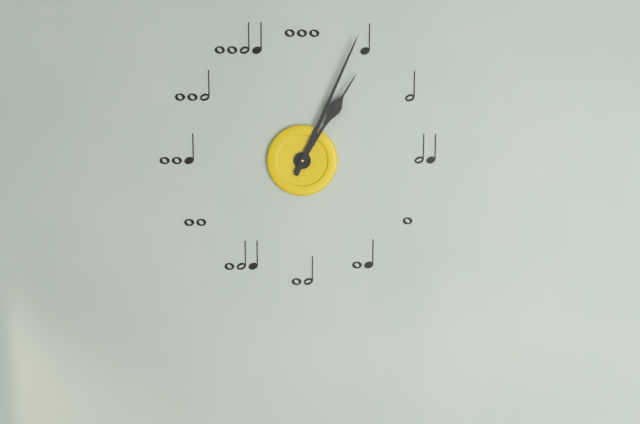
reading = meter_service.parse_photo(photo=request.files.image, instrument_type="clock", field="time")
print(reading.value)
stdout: 1:04
